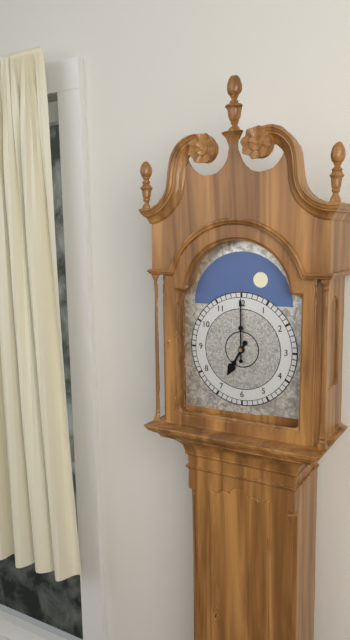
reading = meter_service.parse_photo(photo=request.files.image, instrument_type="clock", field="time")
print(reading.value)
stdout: 7:00
